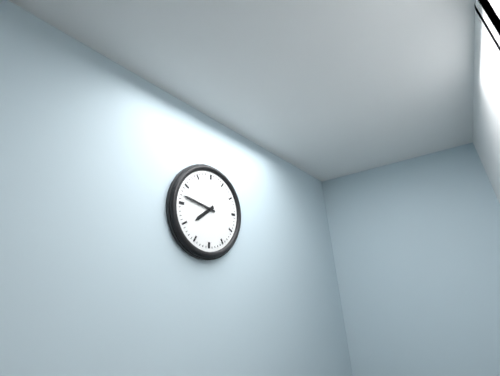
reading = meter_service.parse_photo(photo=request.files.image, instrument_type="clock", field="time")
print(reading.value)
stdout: 7:47
